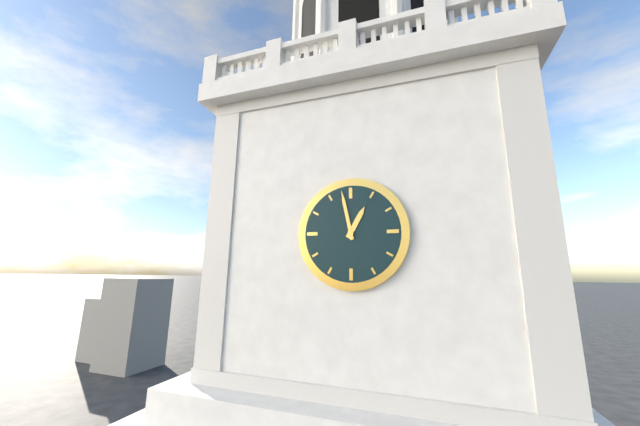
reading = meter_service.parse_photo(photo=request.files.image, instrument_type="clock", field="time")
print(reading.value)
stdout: 12:58
